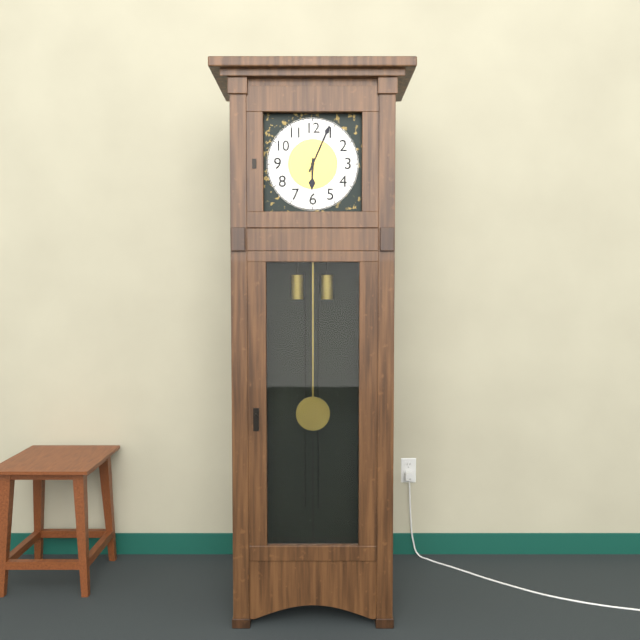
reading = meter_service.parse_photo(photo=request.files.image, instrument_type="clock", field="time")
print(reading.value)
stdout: 6:04
